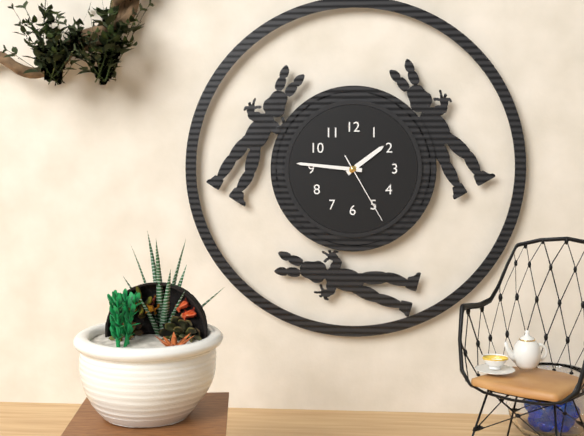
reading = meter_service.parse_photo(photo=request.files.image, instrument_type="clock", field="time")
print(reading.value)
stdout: 1:46:25
